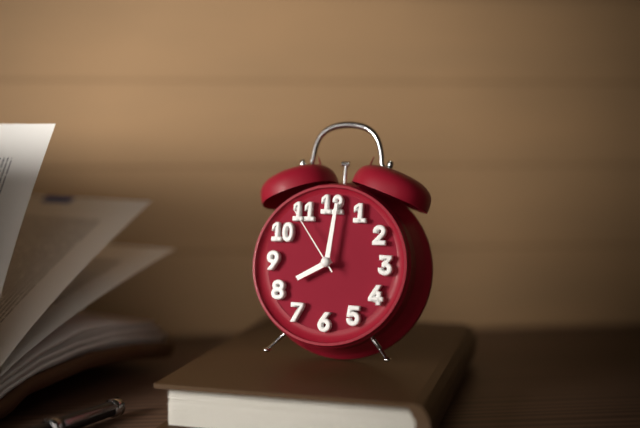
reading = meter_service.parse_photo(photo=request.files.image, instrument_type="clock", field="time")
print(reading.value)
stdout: 8:01:54
